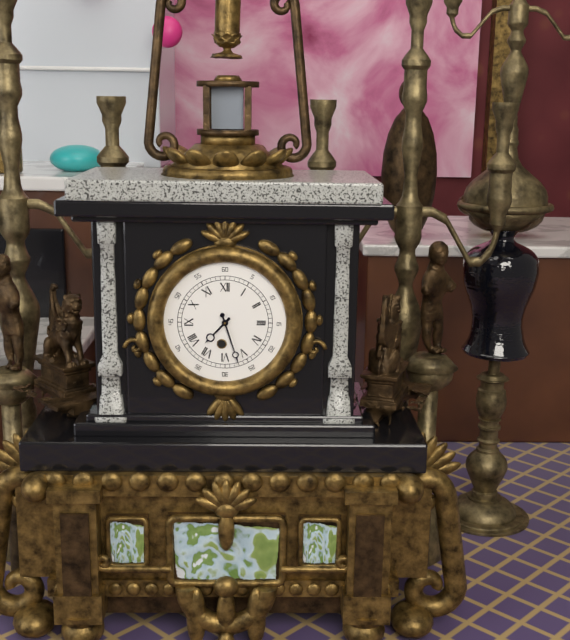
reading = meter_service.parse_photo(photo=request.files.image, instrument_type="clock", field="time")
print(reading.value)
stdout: 7:27
